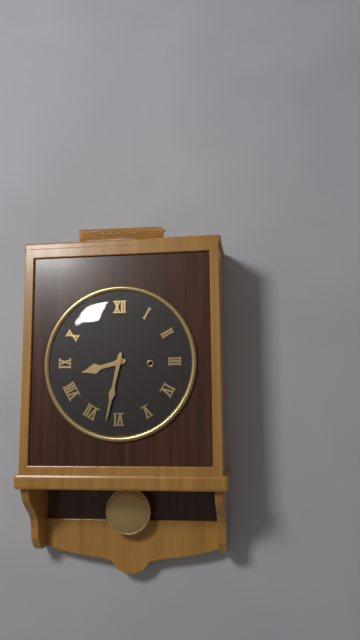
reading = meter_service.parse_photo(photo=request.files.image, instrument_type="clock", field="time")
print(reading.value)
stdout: 8:32
